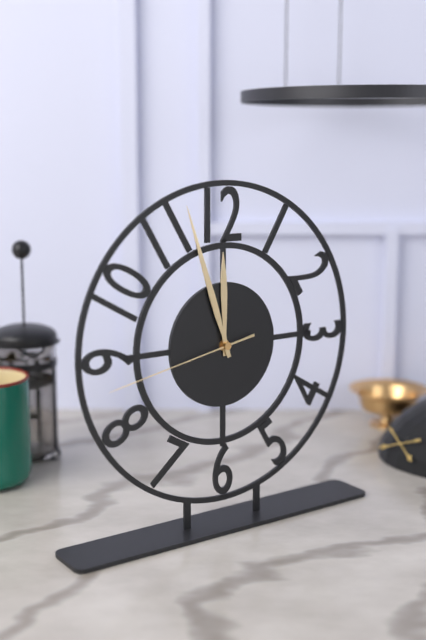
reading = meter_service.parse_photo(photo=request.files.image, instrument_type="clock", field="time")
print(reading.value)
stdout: 11:57:43
